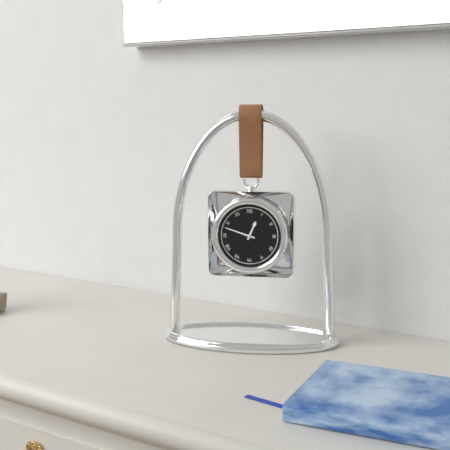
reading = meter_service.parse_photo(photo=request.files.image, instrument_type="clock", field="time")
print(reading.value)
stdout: 12:48
